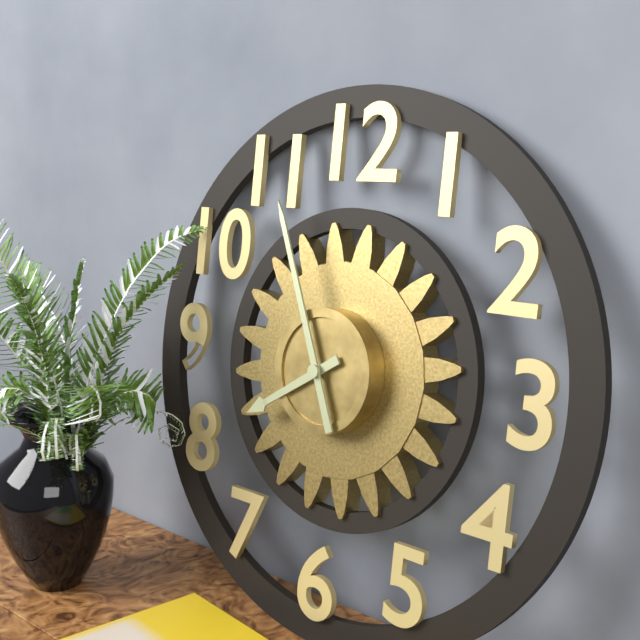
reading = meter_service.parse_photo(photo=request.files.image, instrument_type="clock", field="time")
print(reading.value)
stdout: 7:56
